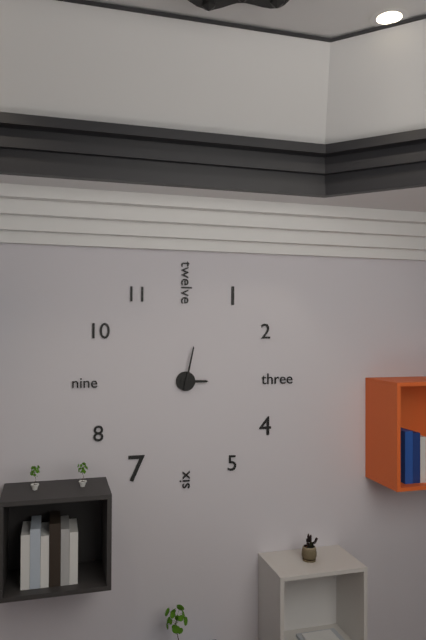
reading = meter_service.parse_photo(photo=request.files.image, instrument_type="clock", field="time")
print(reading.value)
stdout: 3:02
